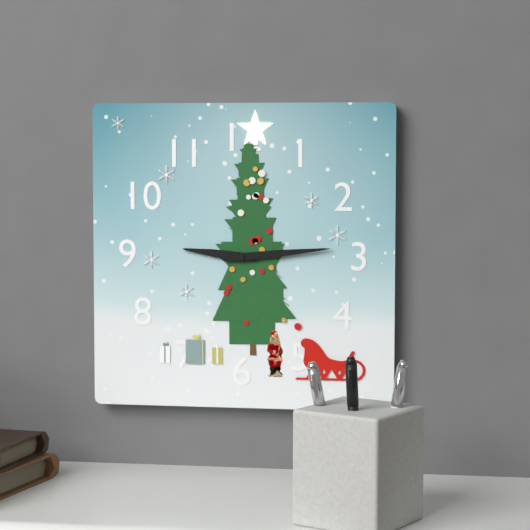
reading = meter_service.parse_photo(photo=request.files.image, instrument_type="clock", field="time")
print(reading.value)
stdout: 9:14
